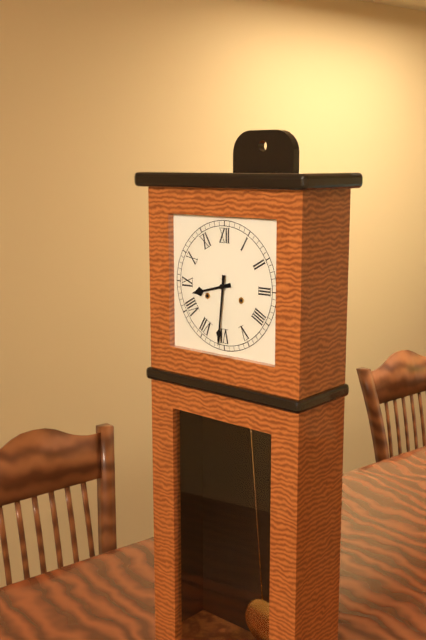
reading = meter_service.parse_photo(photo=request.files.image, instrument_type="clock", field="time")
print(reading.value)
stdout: 8:31
